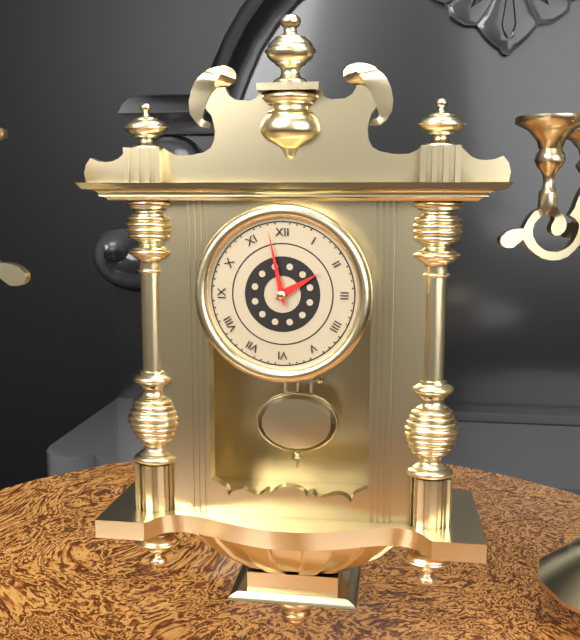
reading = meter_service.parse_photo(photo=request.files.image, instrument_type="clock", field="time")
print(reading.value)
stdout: 1:58
